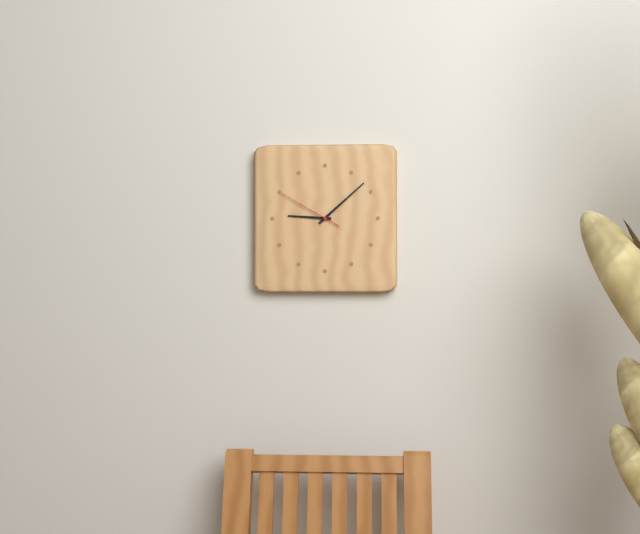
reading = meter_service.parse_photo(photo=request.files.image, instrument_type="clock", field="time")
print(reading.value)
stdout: 9:08:50
